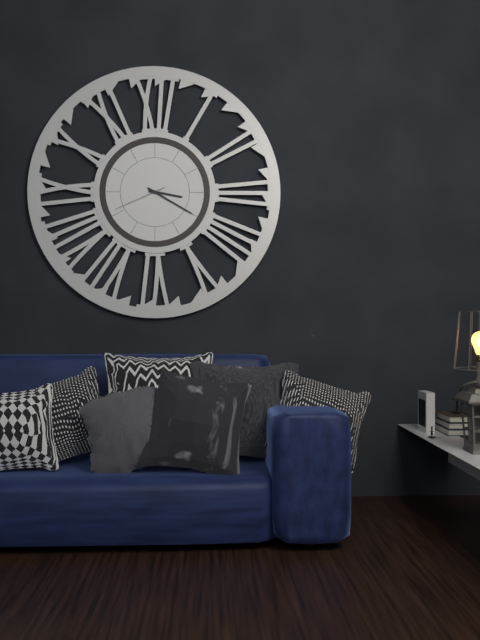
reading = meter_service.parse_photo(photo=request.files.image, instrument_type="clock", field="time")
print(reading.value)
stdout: 3:20:41
